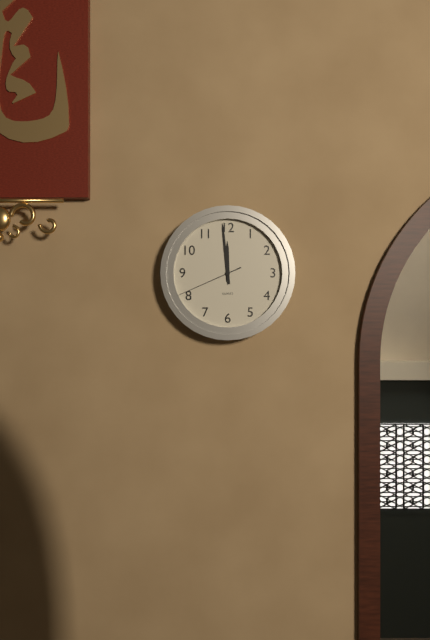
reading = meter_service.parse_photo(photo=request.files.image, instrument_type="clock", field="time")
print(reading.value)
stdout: 11:59:41
